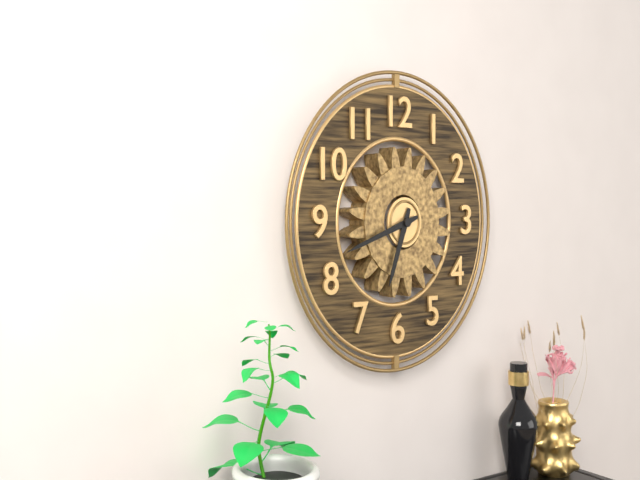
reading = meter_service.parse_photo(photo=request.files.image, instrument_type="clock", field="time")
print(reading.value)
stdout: 6:42
